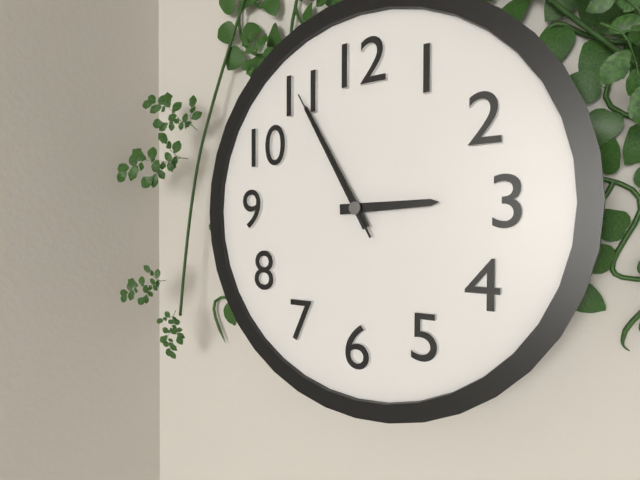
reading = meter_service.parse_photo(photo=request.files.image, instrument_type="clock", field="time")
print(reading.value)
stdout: 2:55:55
